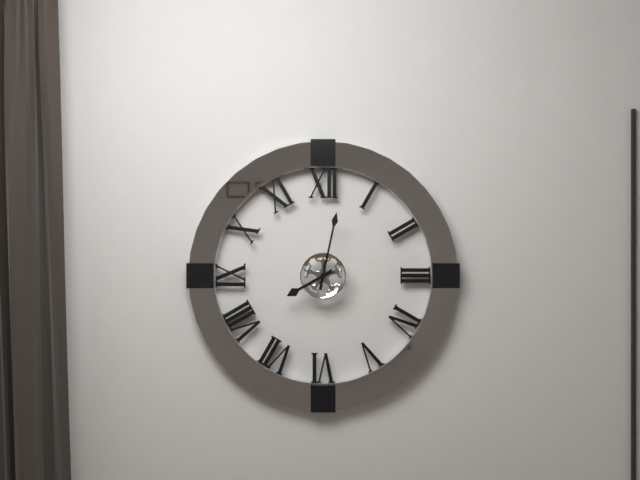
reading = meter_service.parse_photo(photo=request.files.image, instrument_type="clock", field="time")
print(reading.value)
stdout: 8:02
